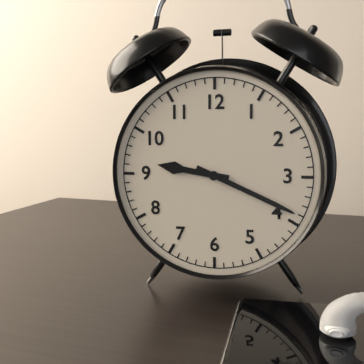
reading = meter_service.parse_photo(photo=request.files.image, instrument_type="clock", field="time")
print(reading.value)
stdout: 9:19
